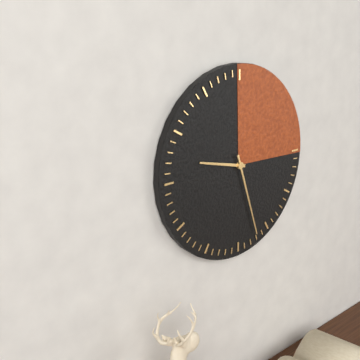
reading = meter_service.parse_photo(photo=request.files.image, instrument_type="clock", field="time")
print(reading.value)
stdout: 9:27
